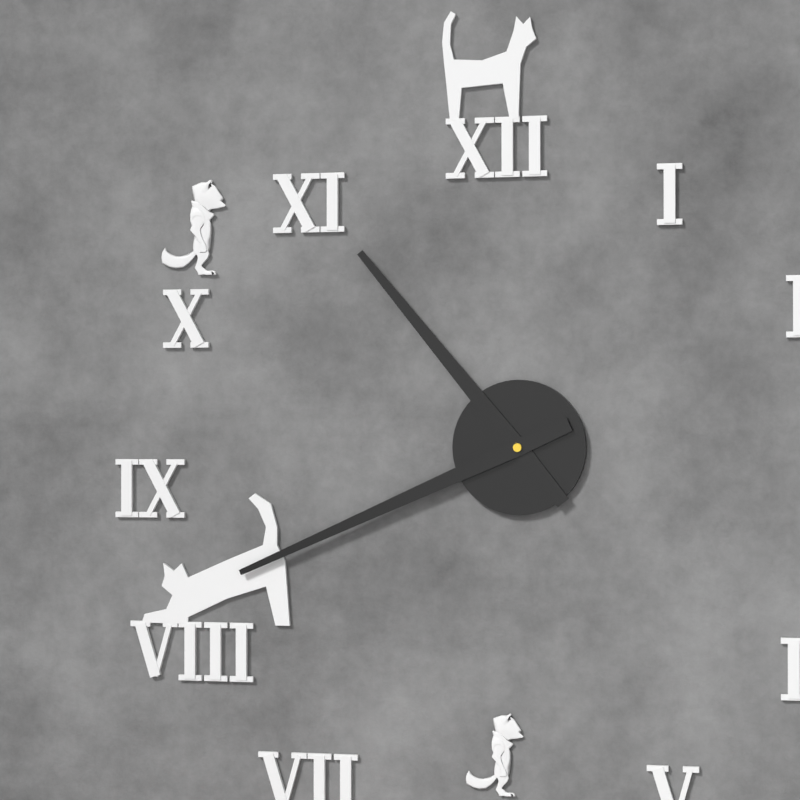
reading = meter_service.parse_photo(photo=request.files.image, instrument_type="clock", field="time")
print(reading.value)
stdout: 10:41
